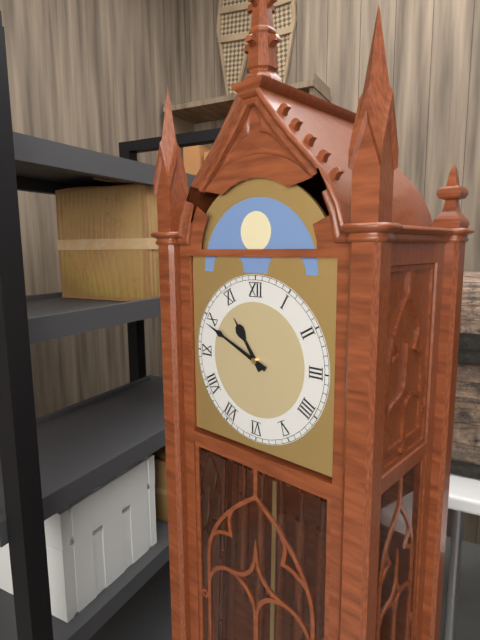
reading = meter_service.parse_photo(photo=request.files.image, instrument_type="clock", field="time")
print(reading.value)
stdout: 10:49
